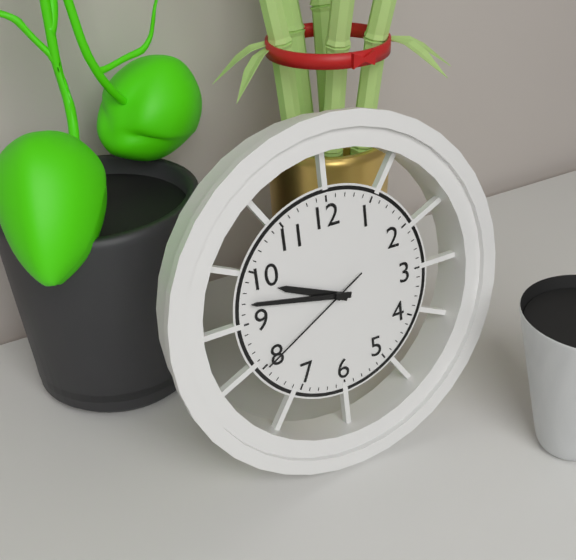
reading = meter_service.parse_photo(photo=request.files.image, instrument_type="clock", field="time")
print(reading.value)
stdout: 9:47:40
